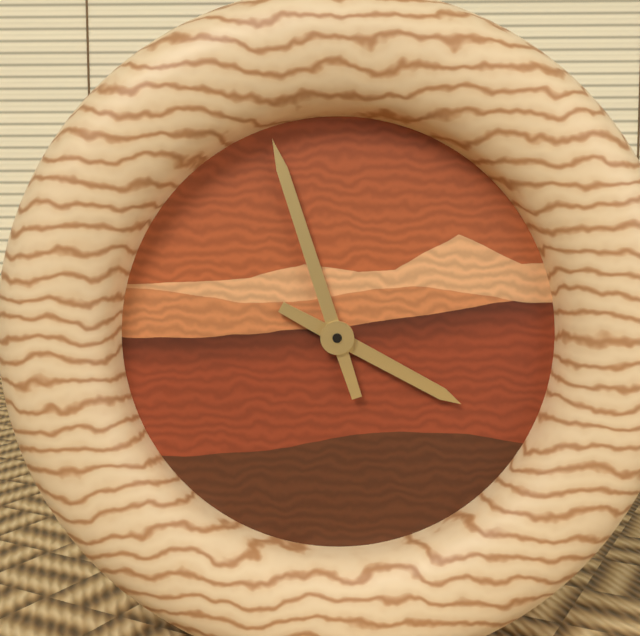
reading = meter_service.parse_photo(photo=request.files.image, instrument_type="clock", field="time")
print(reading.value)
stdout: 3:57
